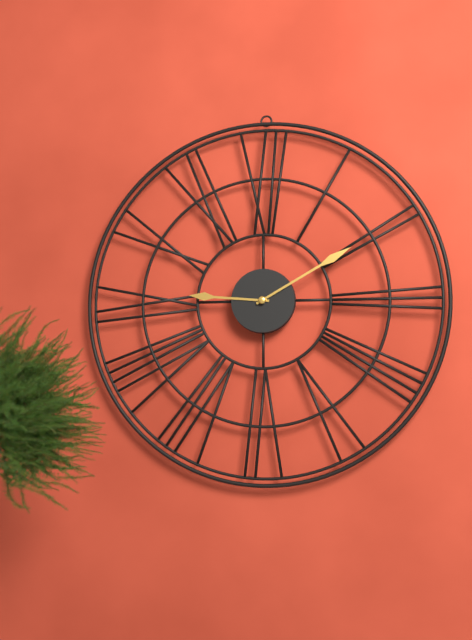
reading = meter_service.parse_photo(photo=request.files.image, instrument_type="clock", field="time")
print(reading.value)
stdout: 9:10
